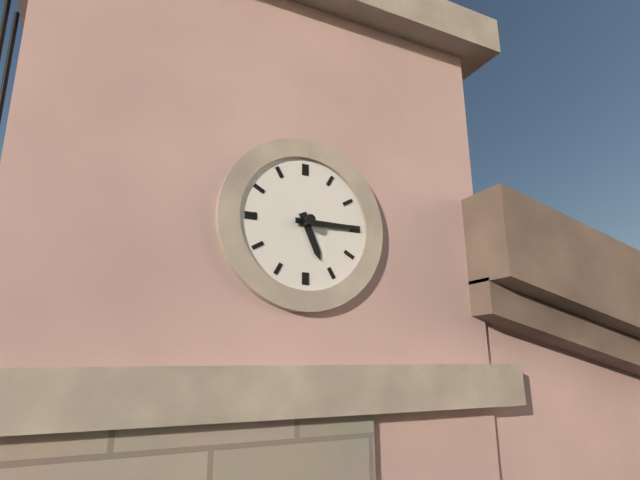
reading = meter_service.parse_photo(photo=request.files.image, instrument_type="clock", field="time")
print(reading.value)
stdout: 5:15
